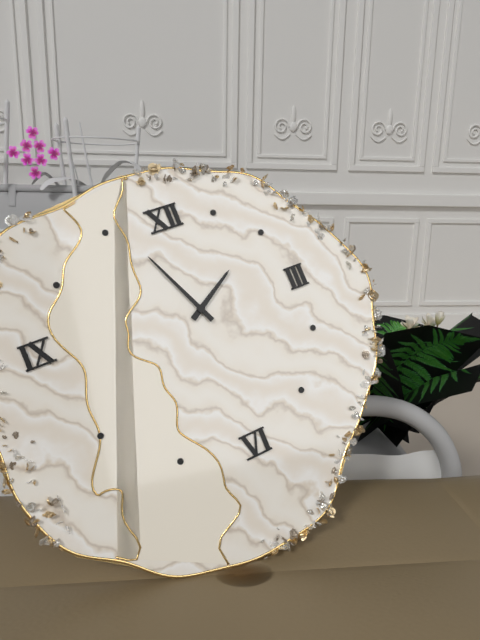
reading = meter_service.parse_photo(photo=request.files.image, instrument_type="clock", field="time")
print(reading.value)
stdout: 1:56
